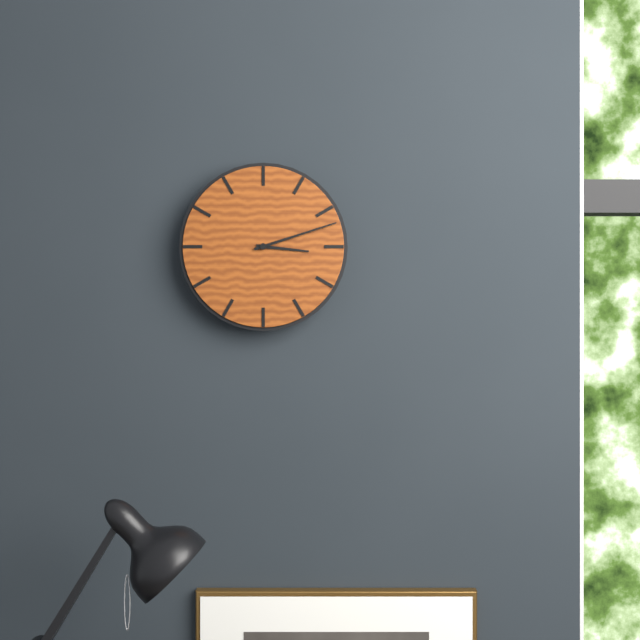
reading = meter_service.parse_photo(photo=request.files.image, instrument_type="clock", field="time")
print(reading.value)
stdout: 3:12
